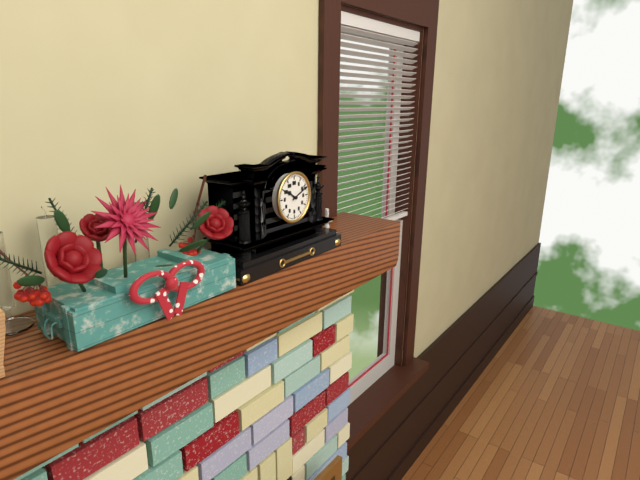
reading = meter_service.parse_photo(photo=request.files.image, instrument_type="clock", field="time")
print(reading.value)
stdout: 10:11
